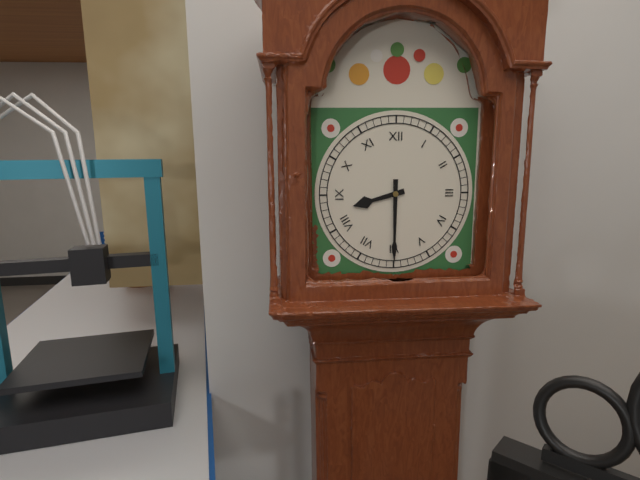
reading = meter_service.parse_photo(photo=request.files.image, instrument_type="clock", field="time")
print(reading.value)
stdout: 8:30
